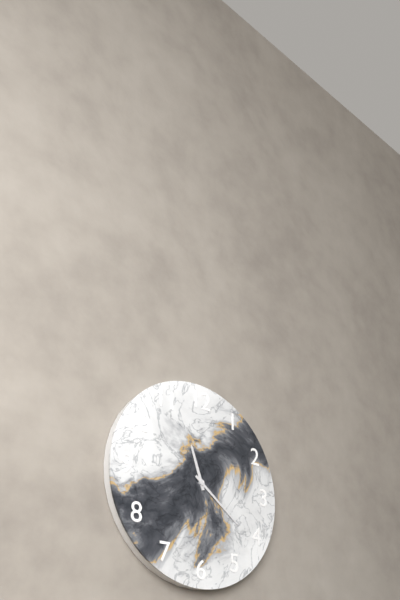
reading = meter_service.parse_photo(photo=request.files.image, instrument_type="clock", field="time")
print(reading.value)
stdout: 11:21
